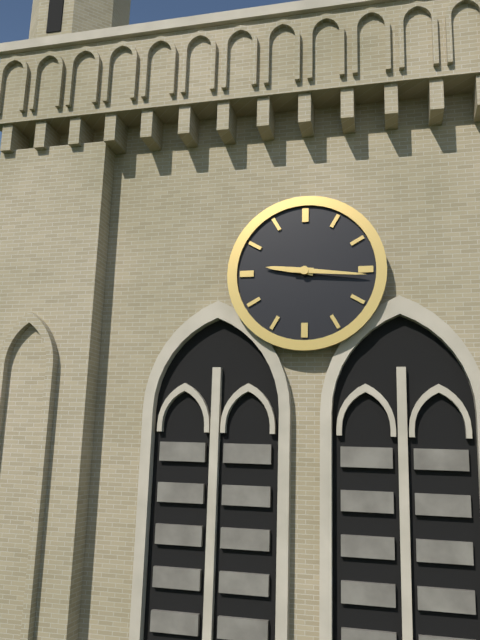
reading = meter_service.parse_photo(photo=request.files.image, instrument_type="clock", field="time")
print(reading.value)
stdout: 9:16
